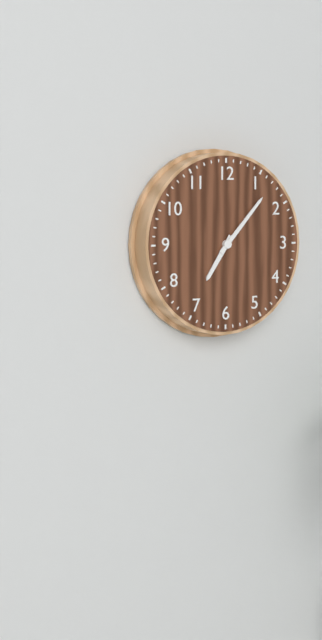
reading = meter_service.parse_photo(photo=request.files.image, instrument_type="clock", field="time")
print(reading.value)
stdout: 7:07
